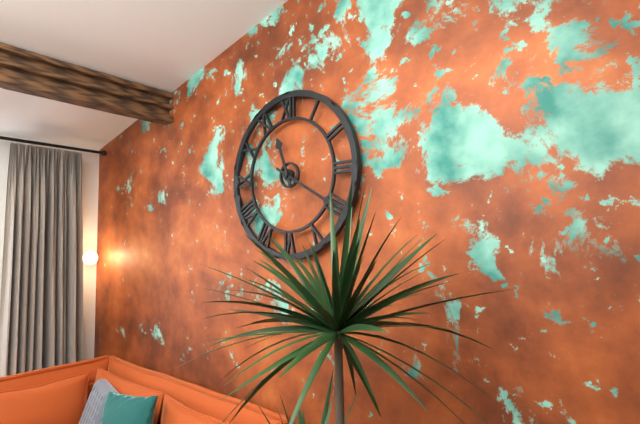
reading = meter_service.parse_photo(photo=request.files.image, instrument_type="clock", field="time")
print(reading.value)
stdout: 11:20
